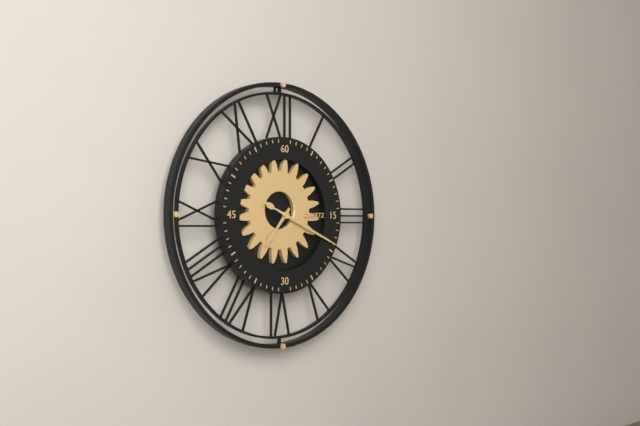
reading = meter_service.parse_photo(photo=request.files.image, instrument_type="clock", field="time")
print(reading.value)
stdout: 7:19
